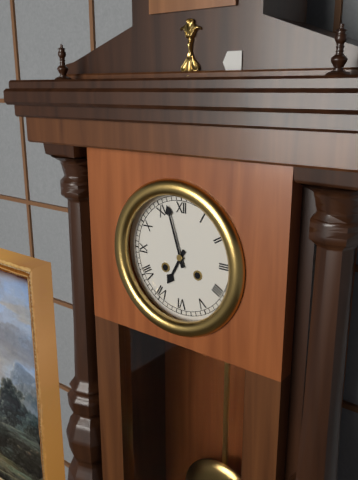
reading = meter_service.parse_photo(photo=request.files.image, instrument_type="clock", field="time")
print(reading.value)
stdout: 6:57
